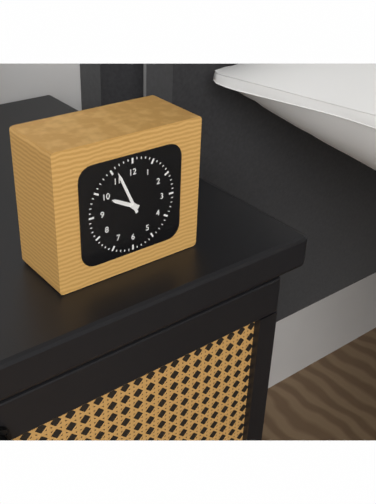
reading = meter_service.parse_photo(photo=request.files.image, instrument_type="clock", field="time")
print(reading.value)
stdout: 9:56
